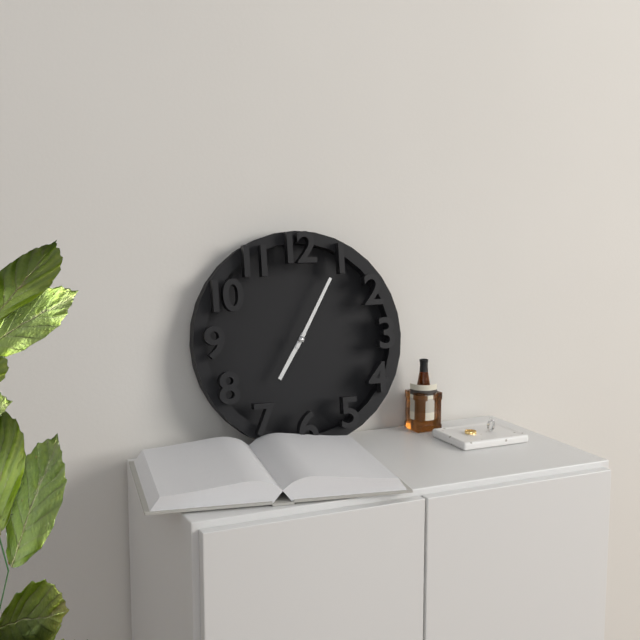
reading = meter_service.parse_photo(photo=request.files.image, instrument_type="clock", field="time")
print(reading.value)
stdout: 7:05
